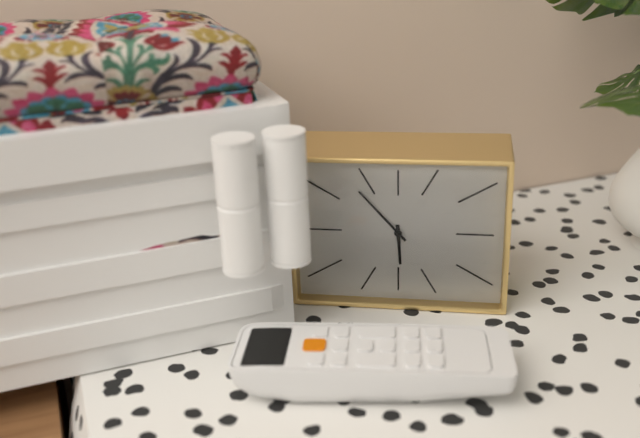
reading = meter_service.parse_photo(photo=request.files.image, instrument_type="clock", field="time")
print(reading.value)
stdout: 5:53
